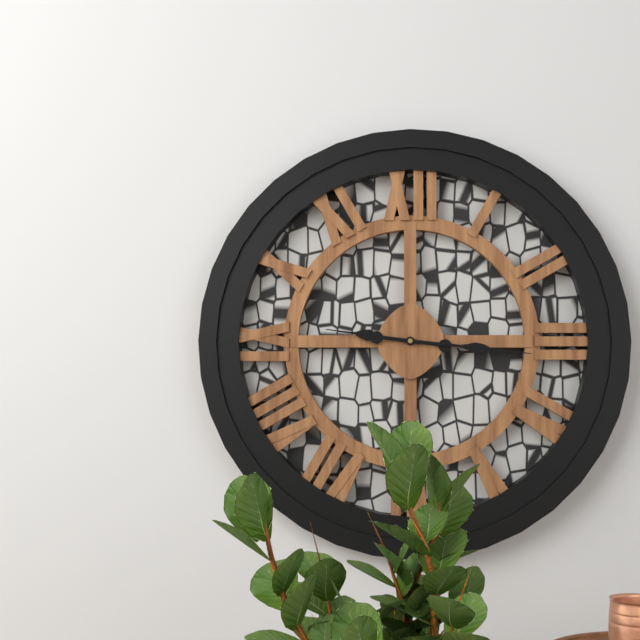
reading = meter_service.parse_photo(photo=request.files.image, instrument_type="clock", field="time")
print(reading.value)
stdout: 9:16
